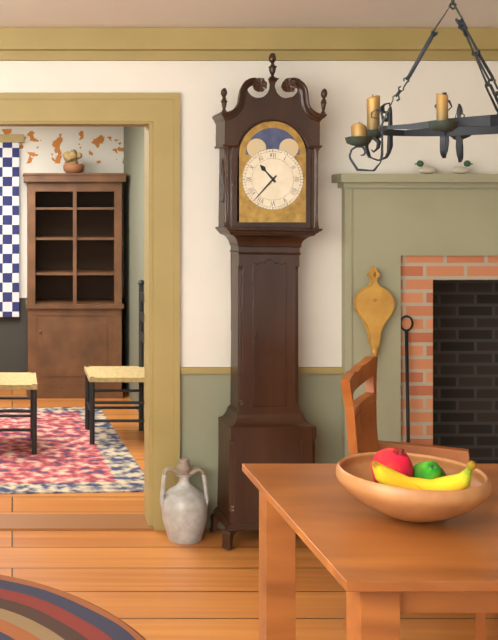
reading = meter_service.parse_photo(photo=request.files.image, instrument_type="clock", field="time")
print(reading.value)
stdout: 10:37
